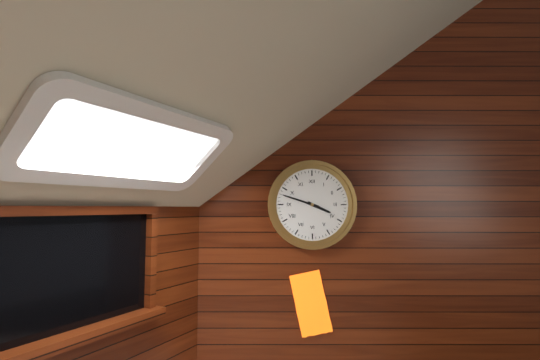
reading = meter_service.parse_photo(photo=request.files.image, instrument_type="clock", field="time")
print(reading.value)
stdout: 3:48
